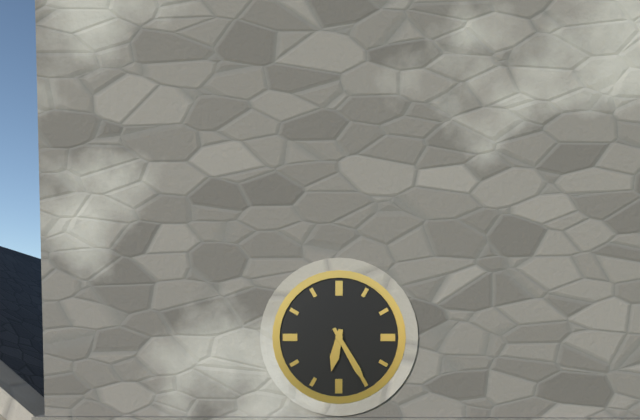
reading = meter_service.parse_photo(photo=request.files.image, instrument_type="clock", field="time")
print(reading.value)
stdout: 6:25
